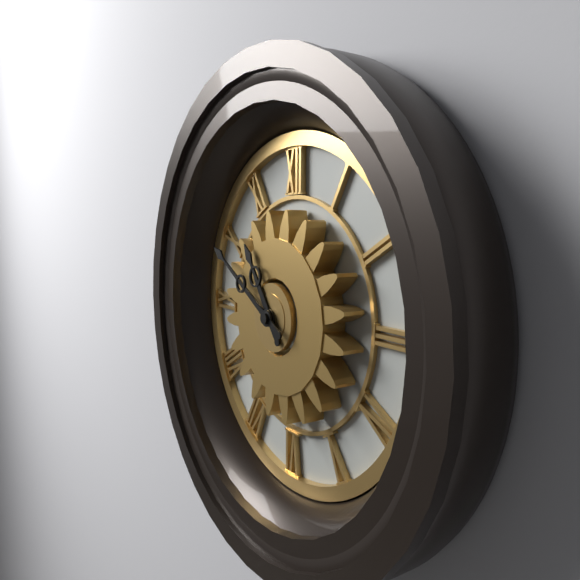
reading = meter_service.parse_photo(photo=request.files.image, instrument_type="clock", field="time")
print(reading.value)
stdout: 10:50
